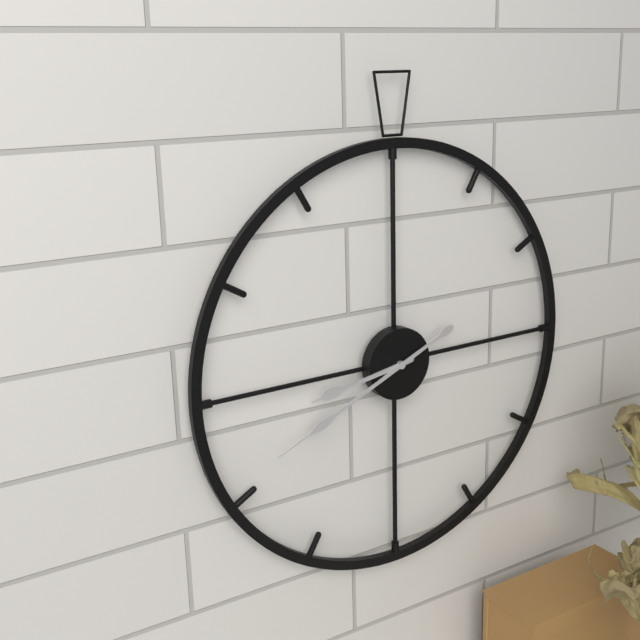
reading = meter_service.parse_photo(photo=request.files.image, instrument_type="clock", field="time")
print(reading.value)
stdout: 8:41
